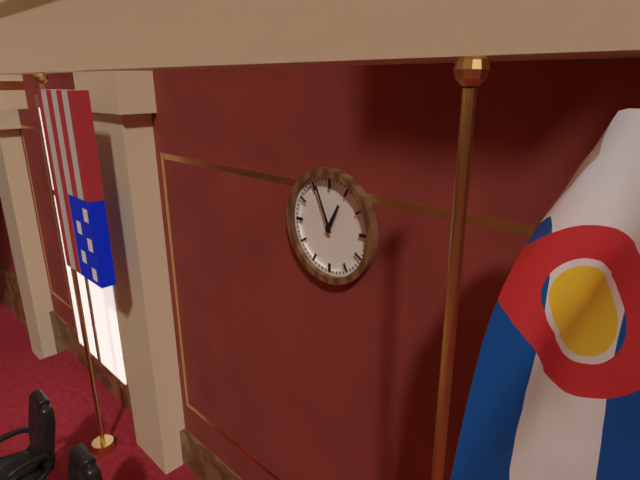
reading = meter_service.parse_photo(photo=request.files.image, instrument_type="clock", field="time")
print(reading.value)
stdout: 12:56
